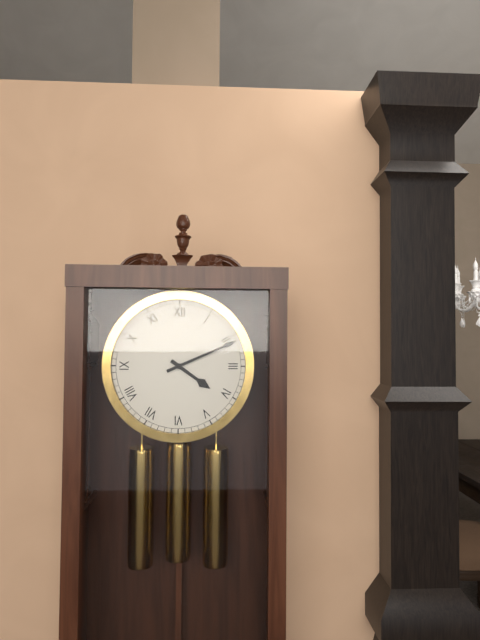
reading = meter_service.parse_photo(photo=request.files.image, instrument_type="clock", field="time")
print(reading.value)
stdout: 4:11
